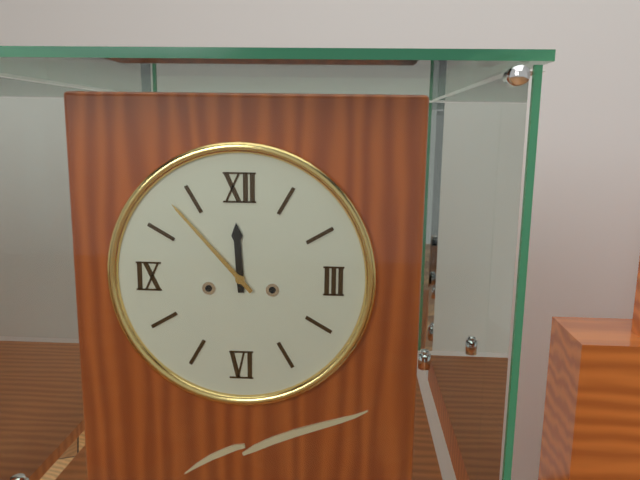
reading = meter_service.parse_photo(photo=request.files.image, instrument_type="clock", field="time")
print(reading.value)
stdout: 11:53
